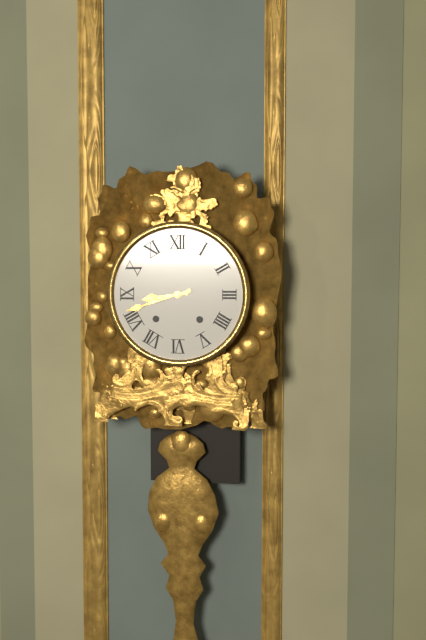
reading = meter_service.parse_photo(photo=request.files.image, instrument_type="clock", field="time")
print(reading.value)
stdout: 8:42
